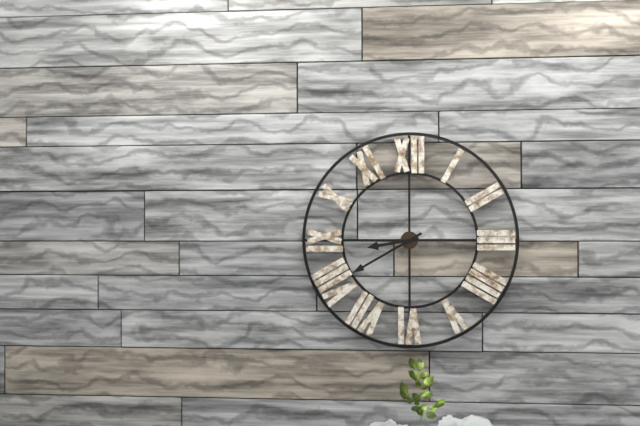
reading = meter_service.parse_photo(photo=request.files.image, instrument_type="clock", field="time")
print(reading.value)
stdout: 8:40
